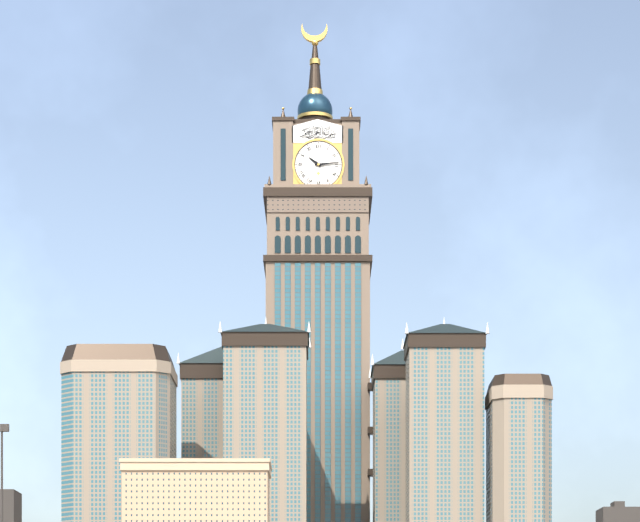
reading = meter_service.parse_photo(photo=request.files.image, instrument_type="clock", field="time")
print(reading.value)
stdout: 10:14
